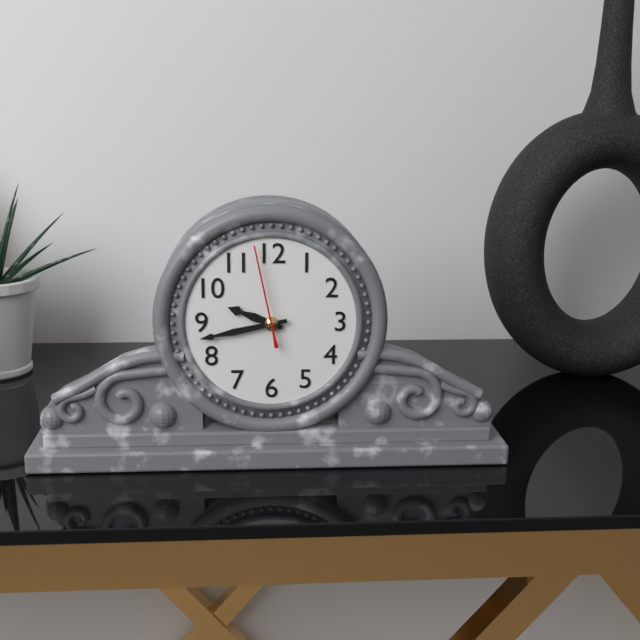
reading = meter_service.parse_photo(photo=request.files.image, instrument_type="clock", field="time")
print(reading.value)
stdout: 9:43:58
